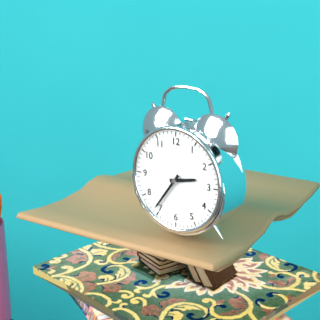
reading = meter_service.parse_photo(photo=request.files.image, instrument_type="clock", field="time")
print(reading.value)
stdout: 2:36
